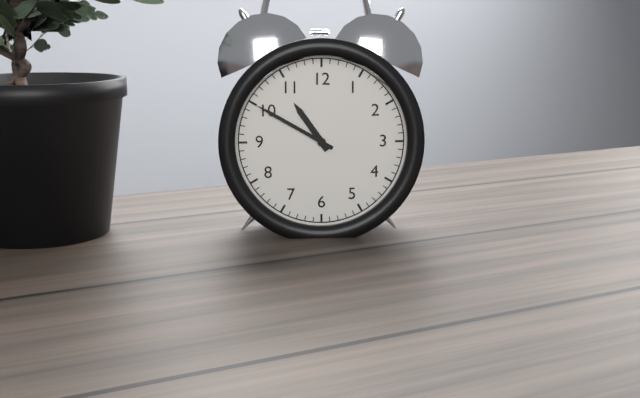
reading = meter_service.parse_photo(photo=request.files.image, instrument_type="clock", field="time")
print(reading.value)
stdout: 10:50
